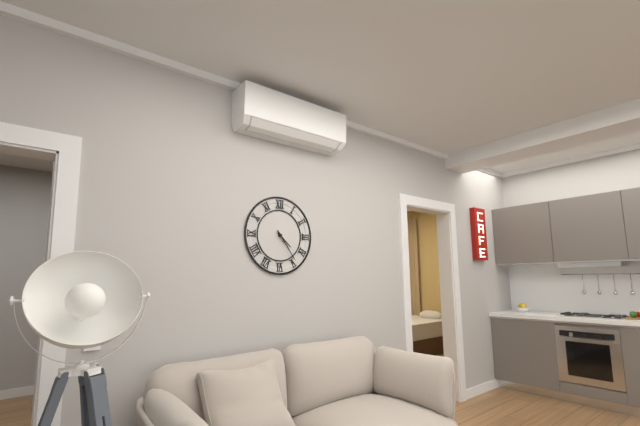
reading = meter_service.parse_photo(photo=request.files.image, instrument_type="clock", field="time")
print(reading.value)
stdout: 4:24
